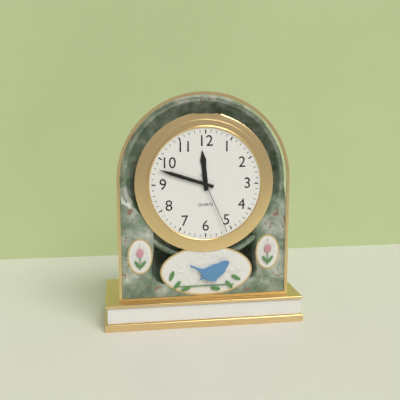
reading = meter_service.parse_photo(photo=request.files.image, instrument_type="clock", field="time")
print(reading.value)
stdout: 11:48:26
